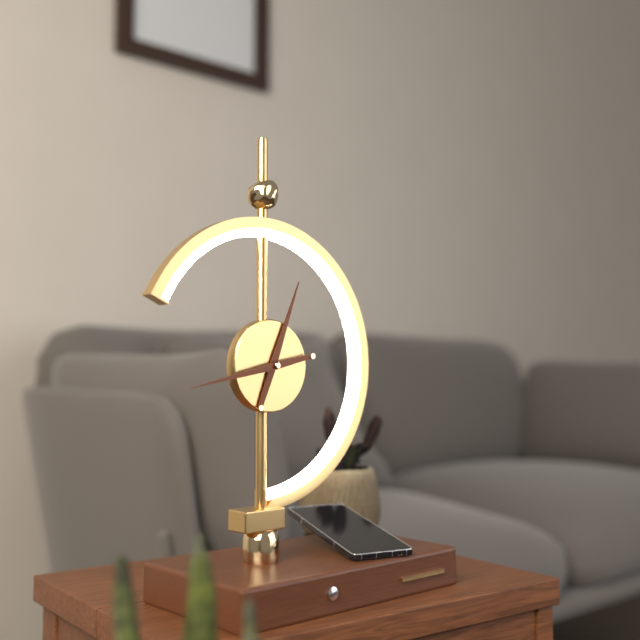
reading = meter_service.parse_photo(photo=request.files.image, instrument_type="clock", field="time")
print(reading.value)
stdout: 12:43
